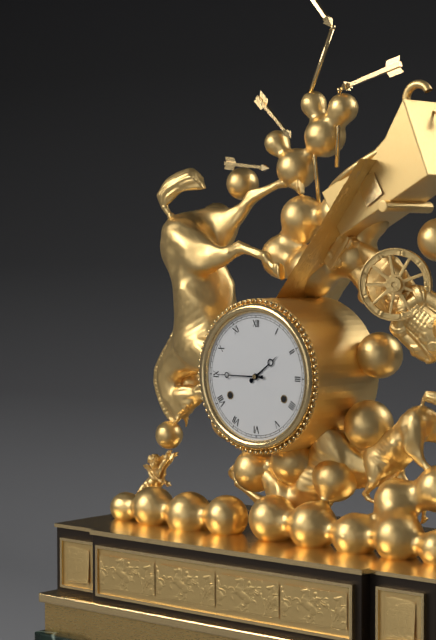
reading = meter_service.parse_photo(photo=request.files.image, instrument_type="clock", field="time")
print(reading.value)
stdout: 1:45
